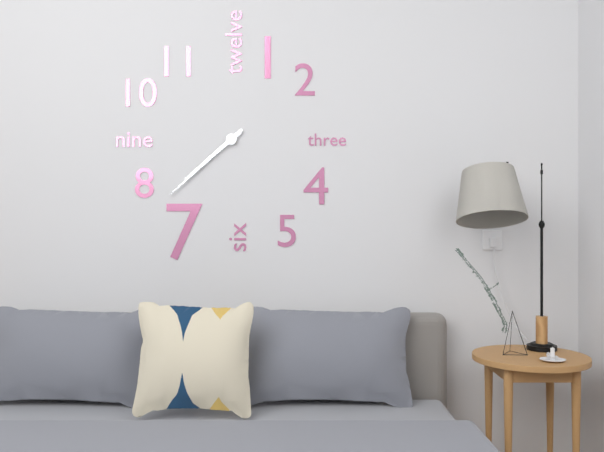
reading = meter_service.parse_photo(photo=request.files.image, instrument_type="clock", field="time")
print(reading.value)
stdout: 7:38
